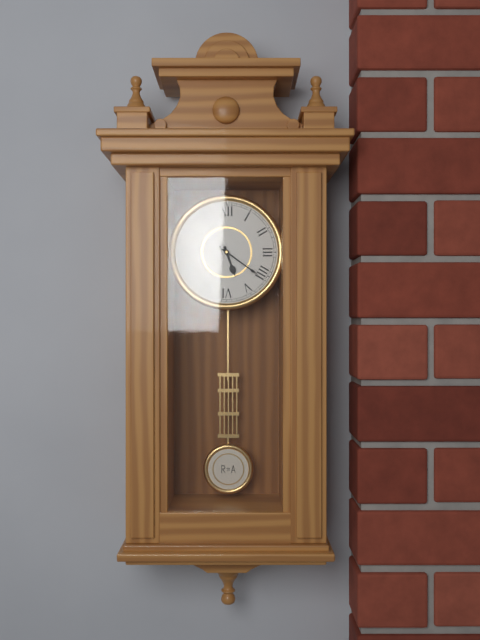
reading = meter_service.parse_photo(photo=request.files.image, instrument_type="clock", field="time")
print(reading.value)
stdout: 5:21
